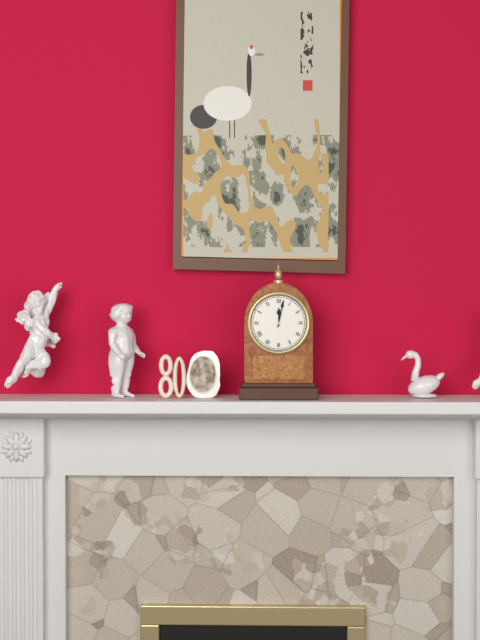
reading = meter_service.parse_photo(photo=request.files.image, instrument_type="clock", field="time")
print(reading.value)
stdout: 12:02
